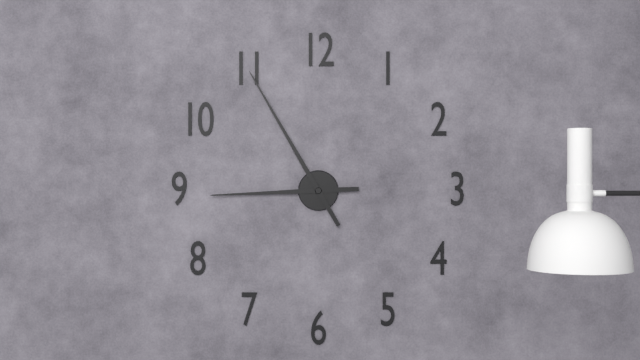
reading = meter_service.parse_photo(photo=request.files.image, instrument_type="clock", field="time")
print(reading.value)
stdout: 8:55
